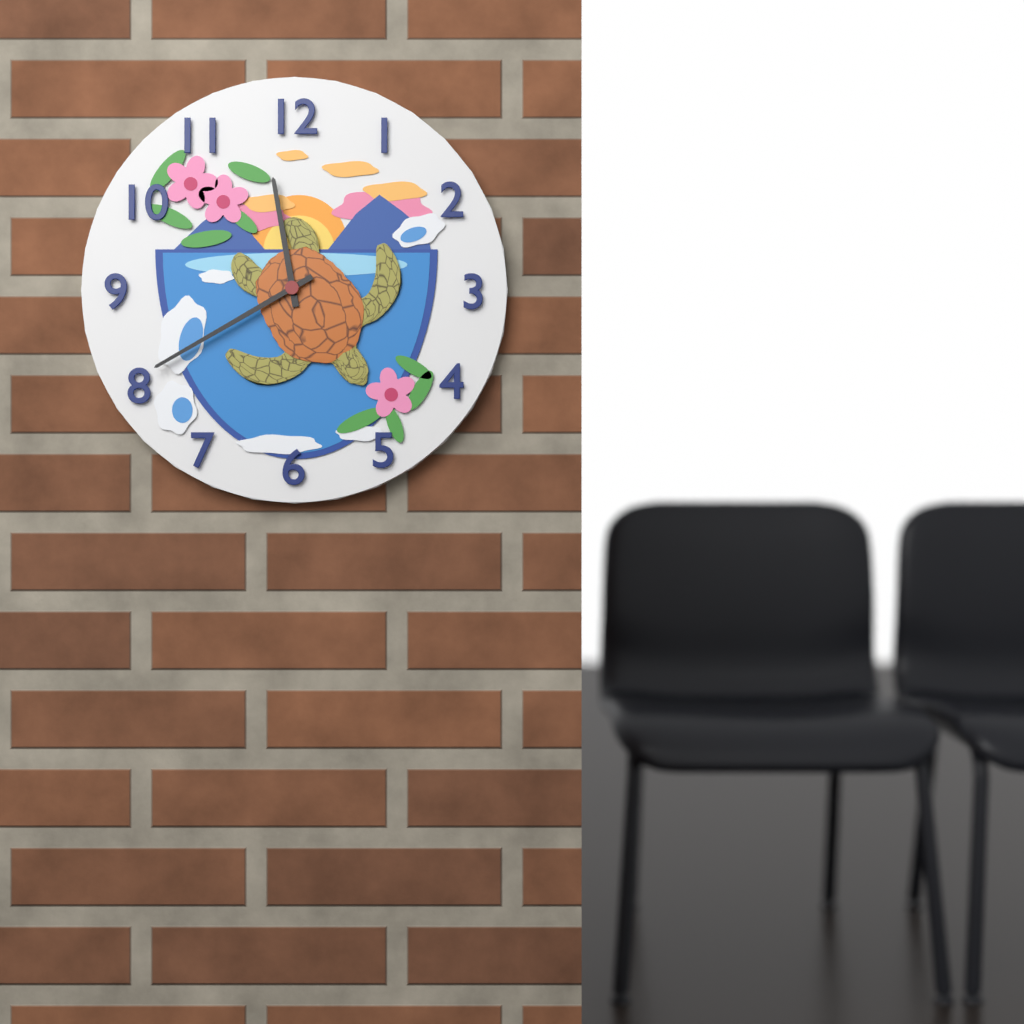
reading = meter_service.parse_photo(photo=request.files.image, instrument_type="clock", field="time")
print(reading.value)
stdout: 11:40
